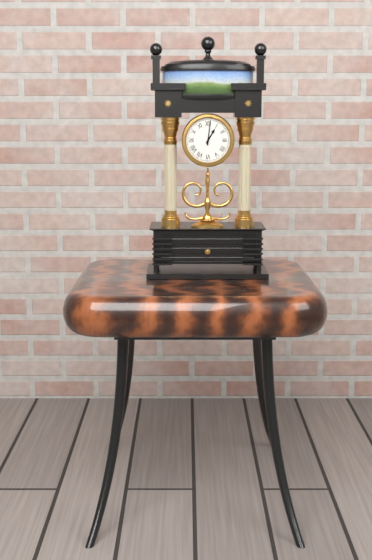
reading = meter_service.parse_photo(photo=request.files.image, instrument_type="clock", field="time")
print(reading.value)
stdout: 1:01
